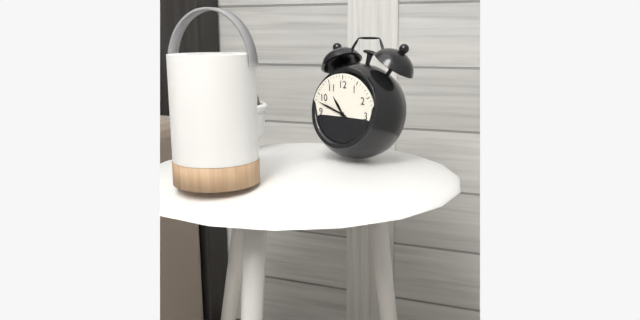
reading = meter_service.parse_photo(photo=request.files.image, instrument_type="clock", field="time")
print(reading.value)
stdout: 10:48
